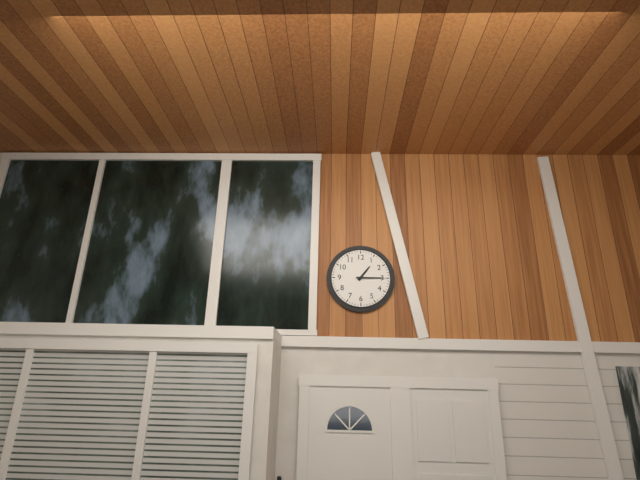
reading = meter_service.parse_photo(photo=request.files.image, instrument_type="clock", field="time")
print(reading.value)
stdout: 1:15
